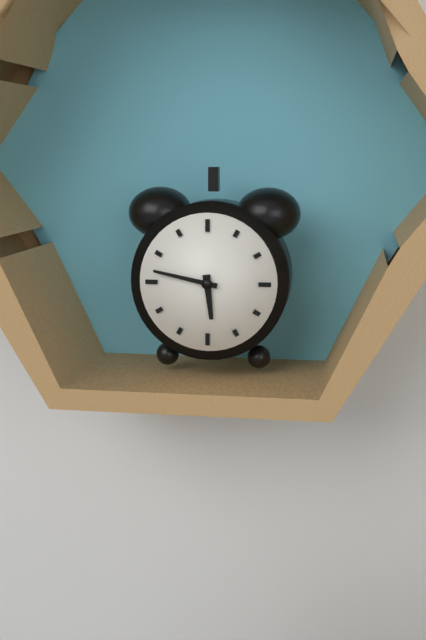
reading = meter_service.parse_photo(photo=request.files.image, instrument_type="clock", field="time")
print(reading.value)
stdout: 5:47
